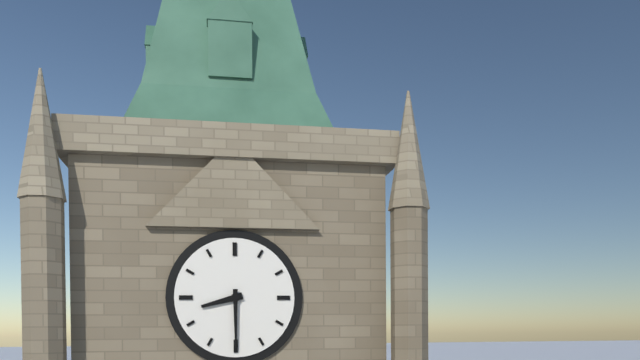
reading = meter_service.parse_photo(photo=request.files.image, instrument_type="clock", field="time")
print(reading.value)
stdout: 8:30
